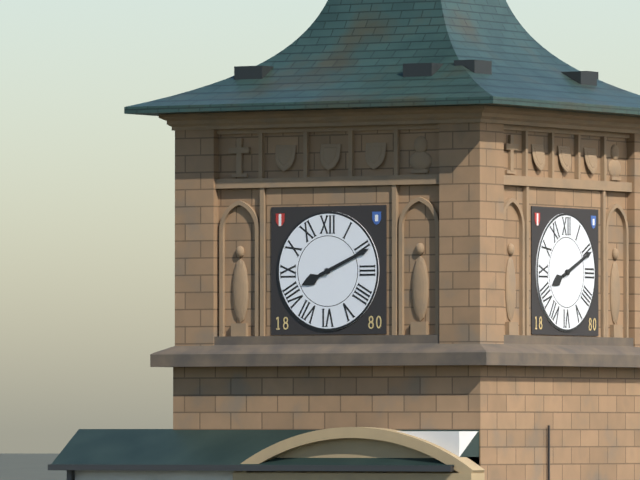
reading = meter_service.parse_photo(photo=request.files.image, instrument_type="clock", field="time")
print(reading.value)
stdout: 8:11
